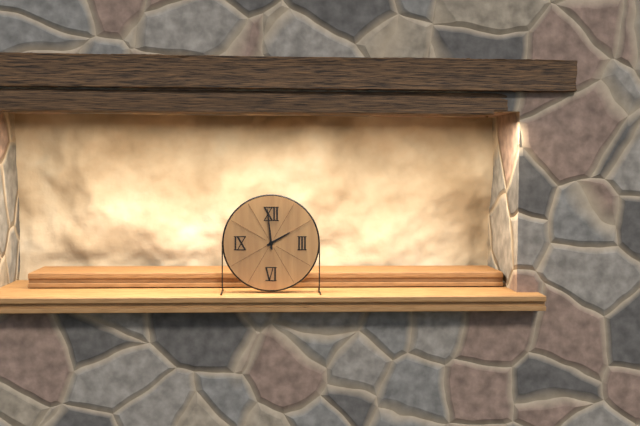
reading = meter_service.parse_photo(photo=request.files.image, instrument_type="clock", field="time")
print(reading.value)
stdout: 1:59
